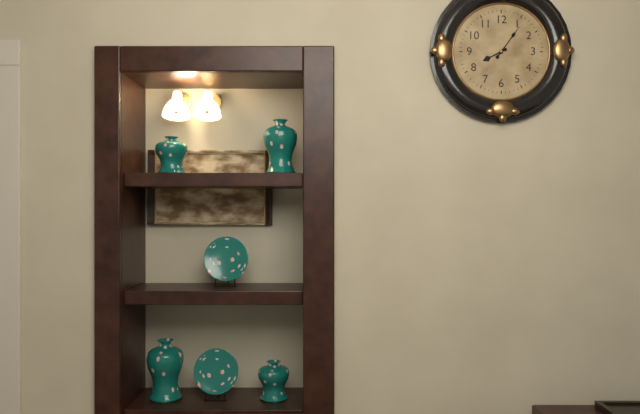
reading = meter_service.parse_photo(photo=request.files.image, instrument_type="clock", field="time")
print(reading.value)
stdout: 8:06
